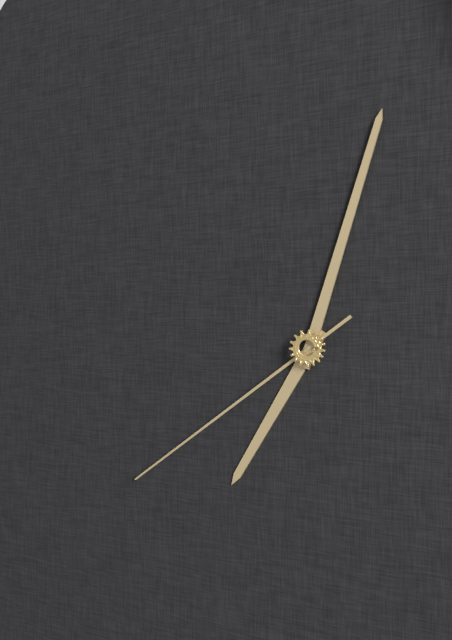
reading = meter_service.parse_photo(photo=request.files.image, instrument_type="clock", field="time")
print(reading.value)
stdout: 7:03:39
